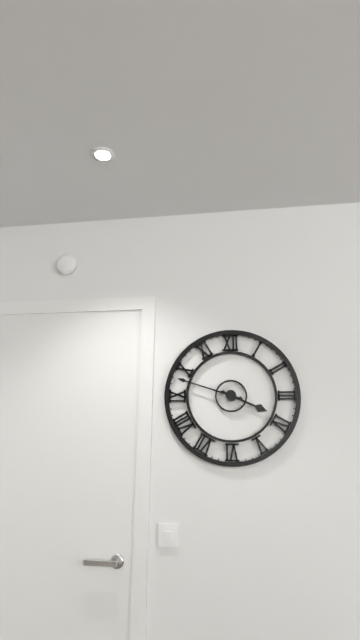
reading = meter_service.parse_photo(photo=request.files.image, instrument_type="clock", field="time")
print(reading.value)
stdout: 3:48
